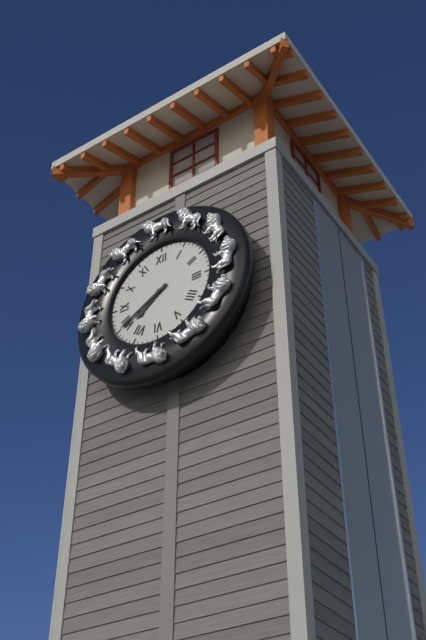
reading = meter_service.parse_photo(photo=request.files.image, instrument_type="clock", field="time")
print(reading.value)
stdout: 7:40
